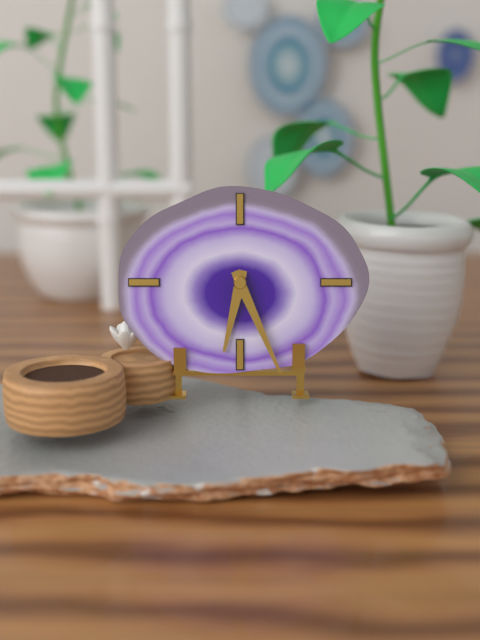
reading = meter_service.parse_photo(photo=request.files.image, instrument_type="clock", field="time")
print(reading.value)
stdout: 6:26
